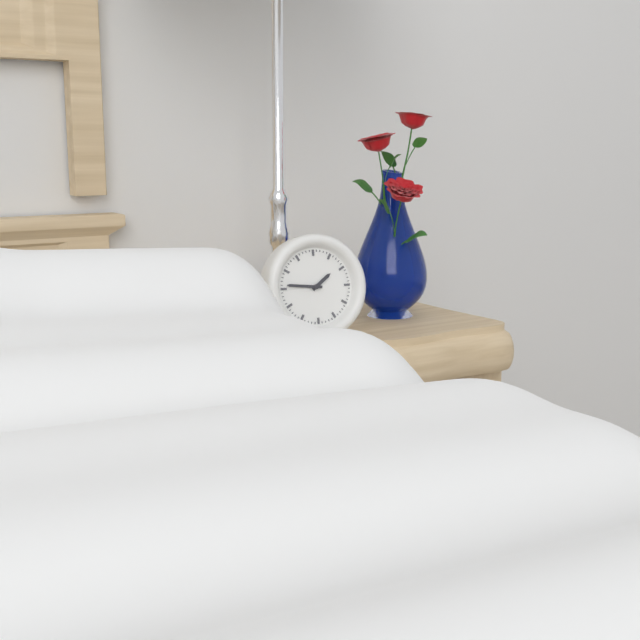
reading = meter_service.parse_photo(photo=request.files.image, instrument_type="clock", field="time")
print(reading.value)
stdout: 1:46
